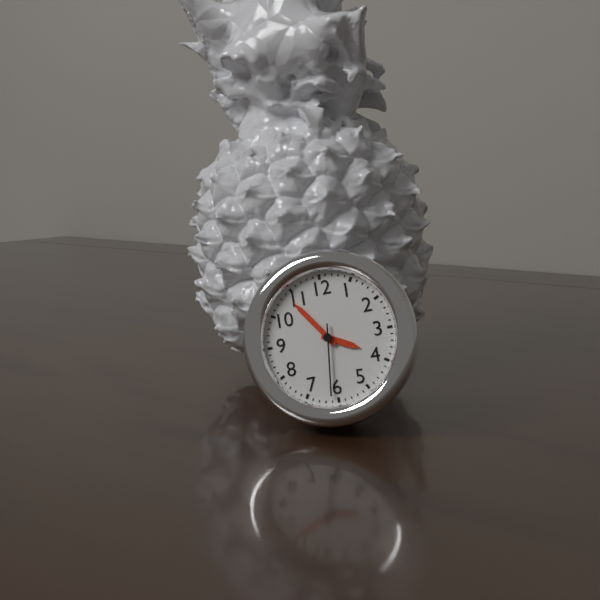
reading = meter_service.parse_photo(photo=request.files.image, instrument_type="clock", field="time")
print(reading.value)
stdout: 3:54:31
